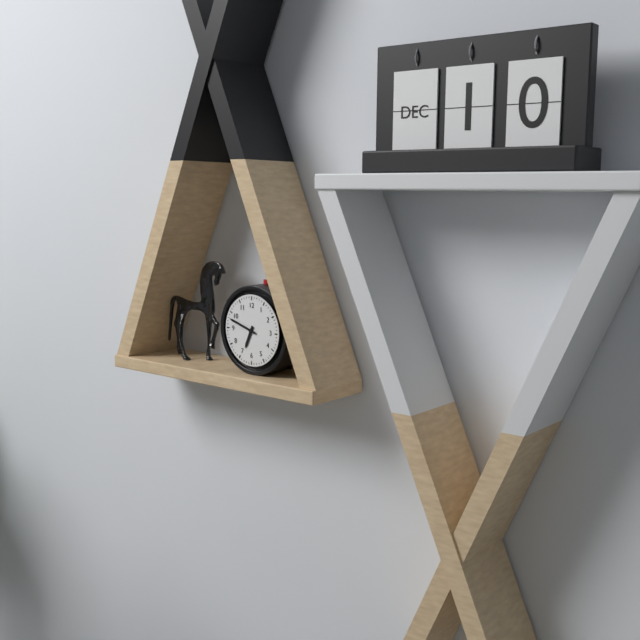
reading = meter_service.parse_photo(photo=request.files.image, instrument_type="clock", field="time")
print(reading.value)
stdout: 6:48
